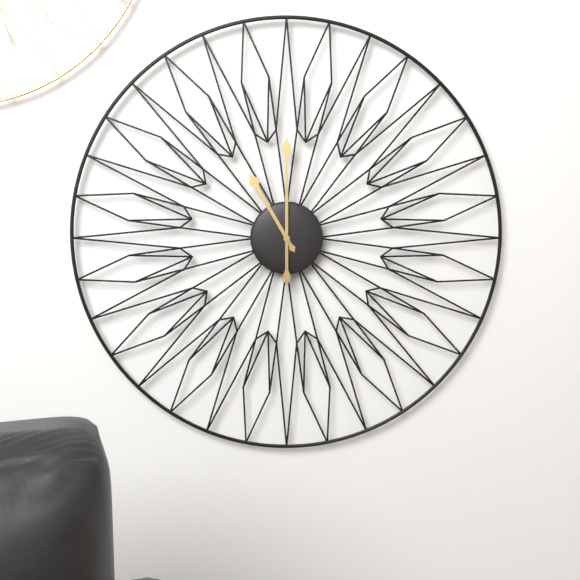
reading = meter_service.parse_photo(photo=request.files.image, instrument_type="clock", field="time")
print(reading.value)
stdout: 11:00
